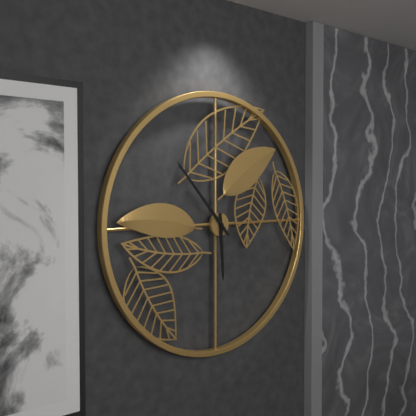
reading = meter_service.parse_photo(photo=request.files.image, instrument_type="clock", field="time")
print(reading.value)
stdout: 5:53
